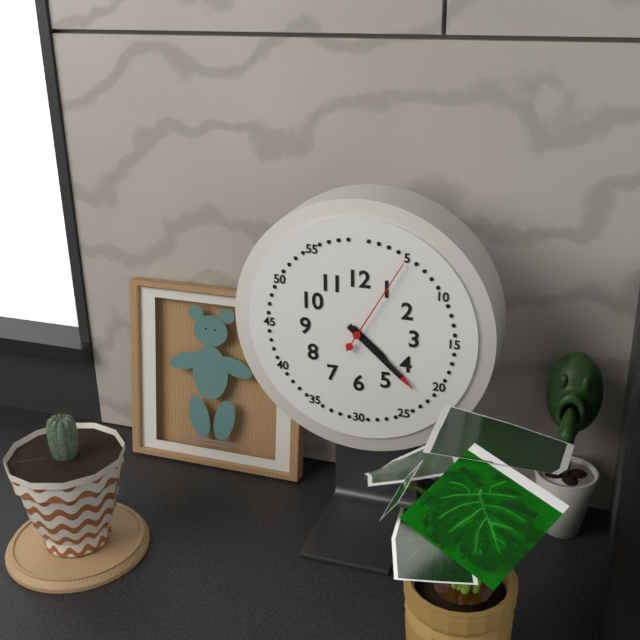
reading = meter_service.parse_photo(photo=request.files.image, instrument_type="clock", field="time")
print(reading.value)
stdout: 4:22:05
